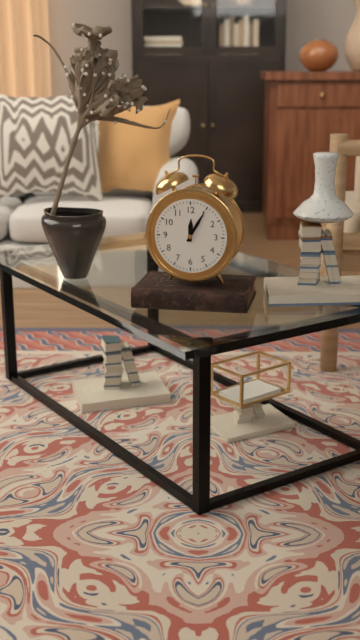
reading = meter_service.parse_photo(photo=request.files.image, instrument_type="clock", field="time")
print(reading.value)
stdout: 12:05
